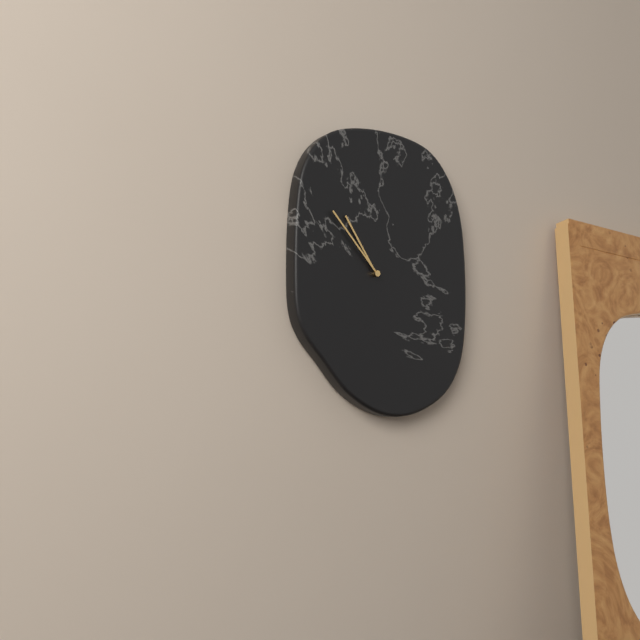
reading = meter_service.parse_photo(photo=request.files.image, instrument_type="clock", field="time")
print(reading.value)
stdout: 10:53
